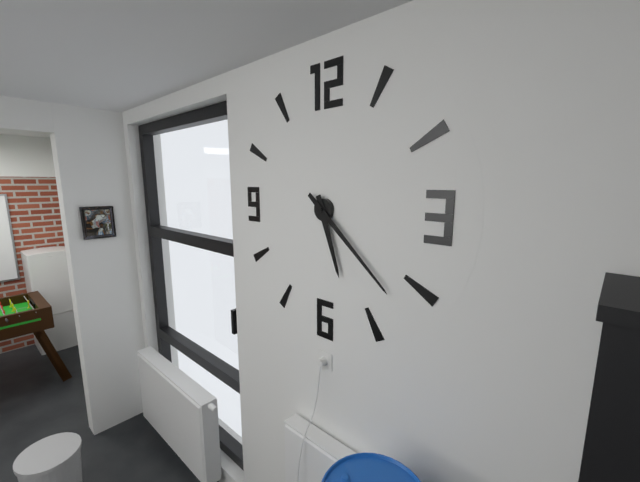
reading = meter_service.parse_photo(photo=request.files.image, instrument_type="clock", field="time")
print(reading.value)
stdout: 5:22
